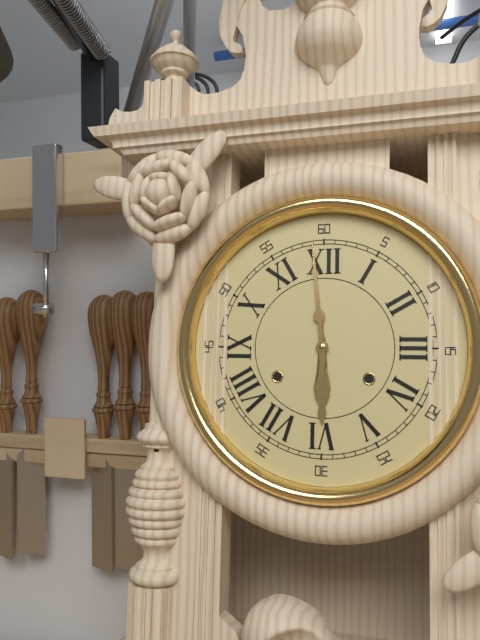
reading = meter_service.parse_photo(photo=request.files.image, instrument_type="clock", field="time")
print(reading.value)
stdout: 5:59
